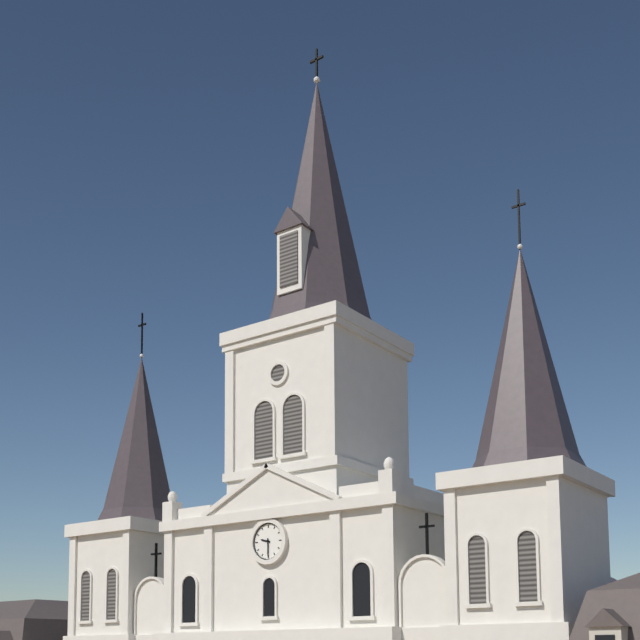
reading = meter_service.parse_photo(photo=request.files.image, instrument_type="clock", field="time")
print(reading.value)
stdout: 9:30
